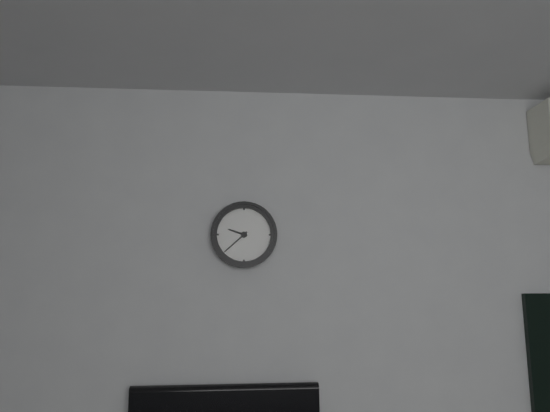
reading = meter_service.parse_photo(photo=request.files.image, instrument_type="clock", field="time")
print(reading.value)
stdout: 9:38
